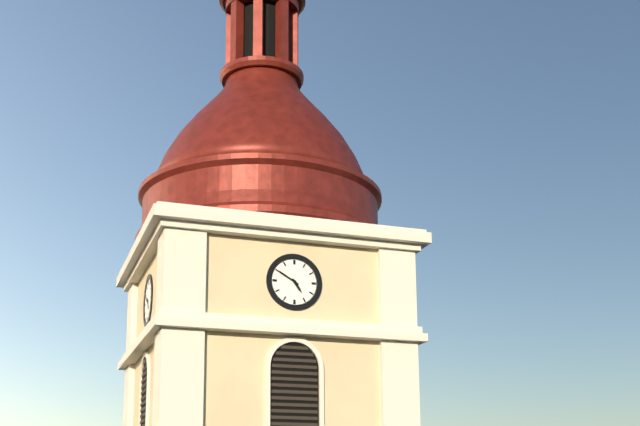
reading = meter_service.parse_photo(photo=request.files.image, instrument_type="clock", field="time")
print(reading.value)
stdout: 4:50
